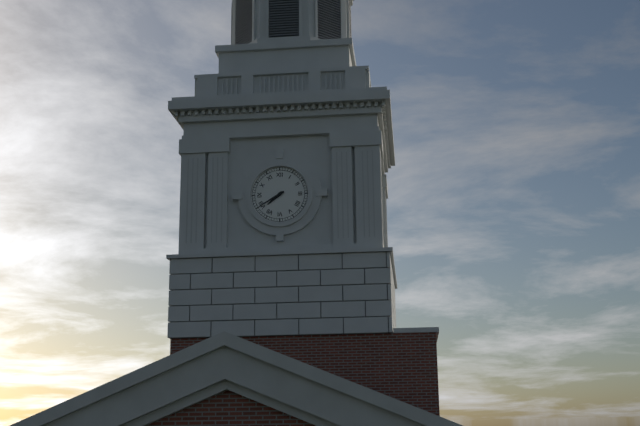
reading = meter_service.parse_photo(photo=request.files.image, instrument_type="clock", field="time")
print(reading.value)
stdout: 7:40
